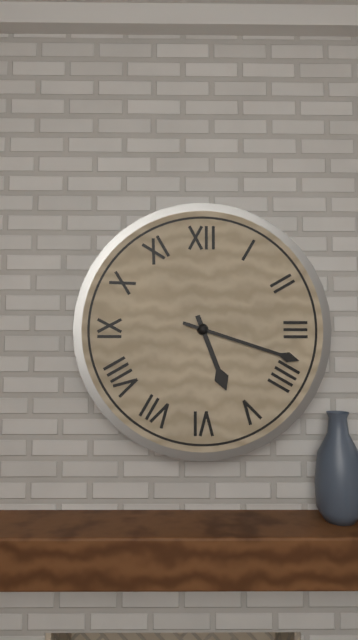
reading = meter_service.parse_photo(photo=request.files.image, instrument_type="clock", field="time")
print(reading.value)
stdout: 5:18
